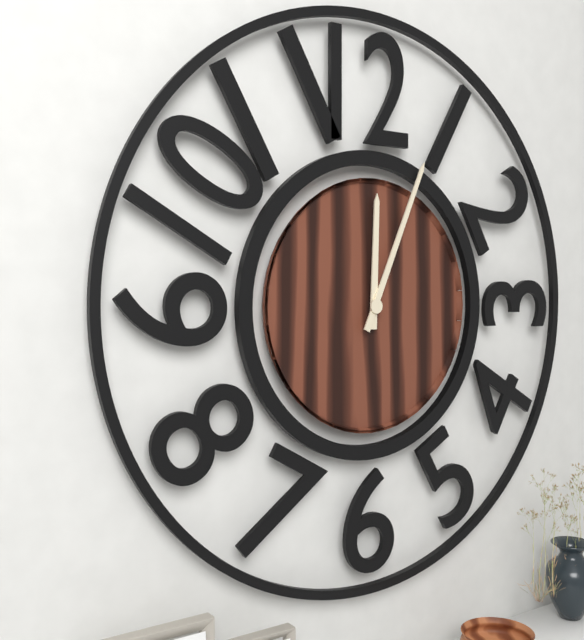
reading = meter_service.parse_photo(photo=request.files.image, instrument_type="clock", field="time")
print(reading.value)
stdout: 12:04
